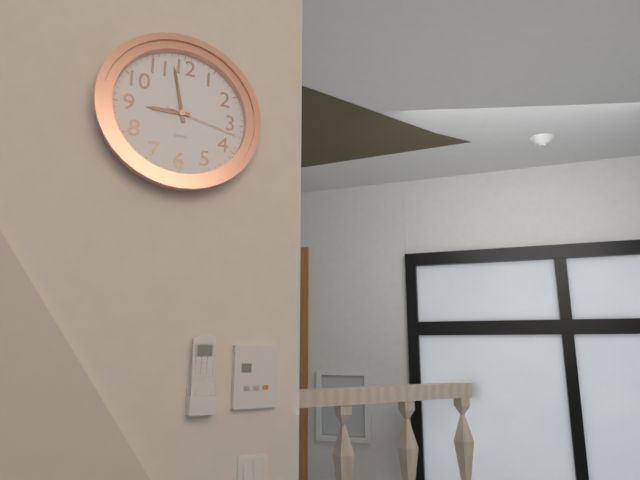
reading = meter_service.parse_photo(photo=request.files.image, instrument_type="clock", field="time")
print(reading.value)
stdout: 8:58:17
